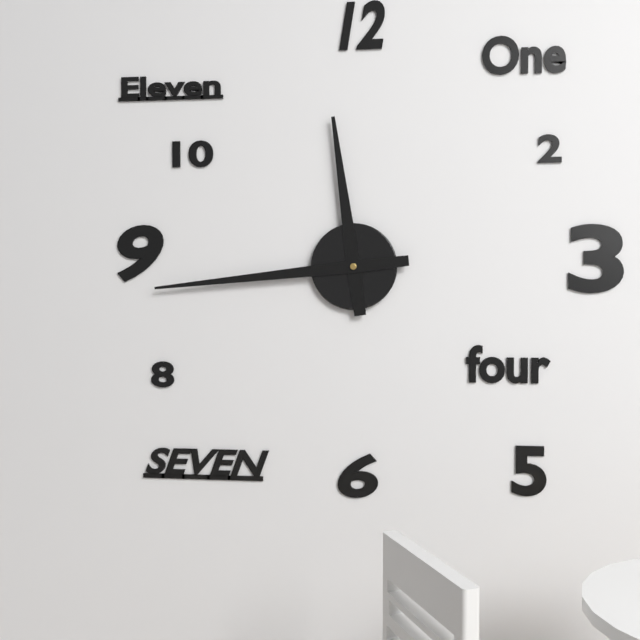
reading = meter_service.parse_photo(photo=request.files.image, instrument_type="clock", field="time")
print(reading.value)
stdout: 11:44
